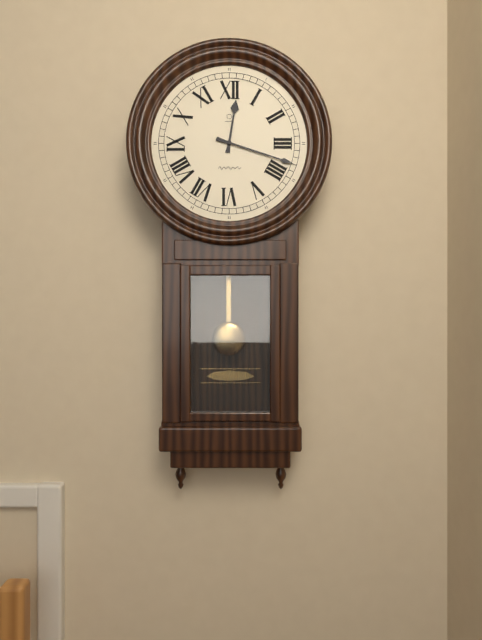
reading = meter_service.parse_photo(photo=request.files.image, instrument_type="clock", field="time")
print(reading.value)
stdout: 12:18
